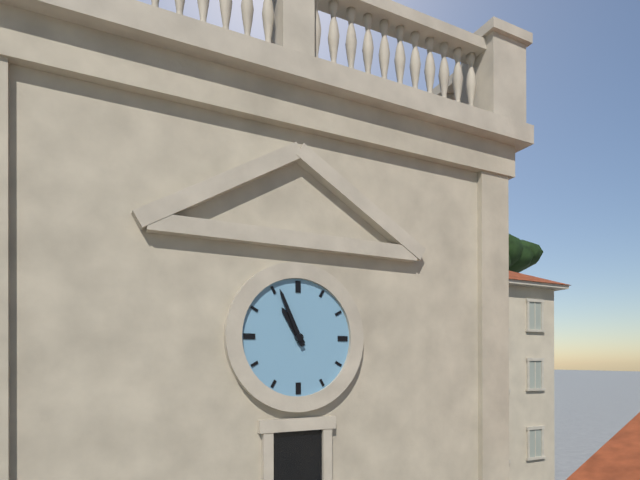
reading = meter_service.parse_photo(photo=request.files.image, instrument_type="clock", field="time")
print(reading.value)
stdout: 10:56
